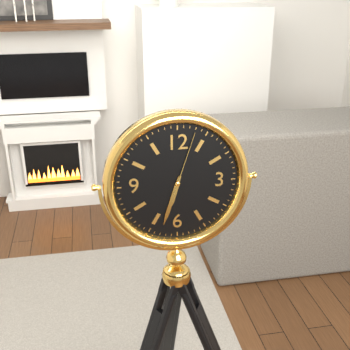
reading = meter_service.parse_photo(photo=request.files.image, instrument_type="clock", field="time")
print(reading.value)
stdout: 6:33:03
